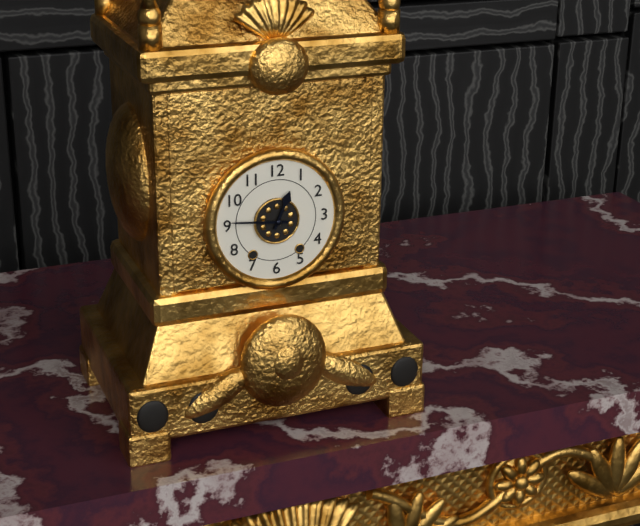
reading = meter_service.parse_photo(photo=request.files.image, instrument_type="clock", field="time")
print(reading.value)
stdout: 12:46
